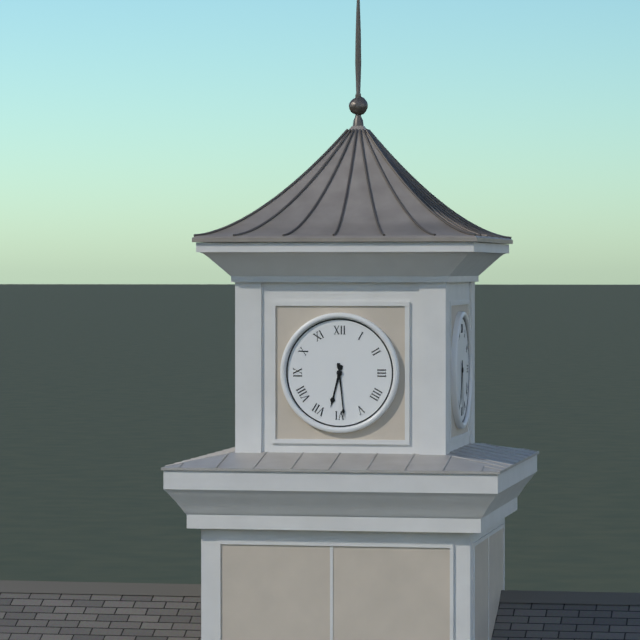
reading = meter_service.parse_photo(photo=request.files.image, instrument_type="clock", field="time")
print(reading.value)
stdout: 6:29
